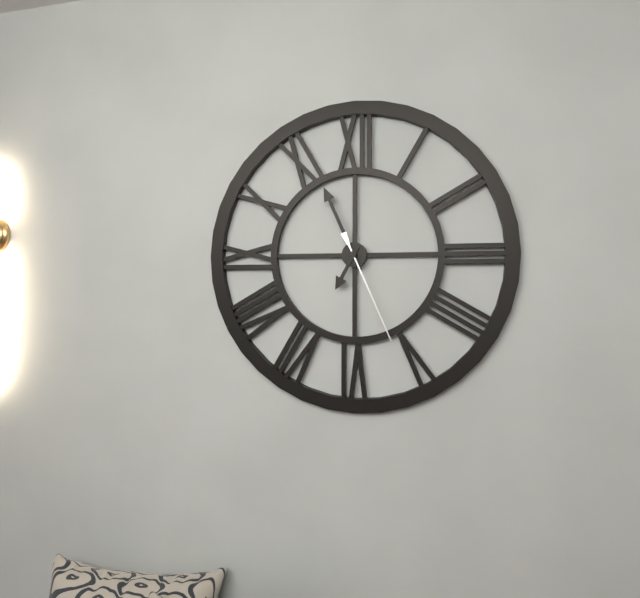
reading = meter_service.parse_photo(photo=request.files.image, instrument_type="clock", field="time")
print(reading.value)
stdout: 6:56:26
